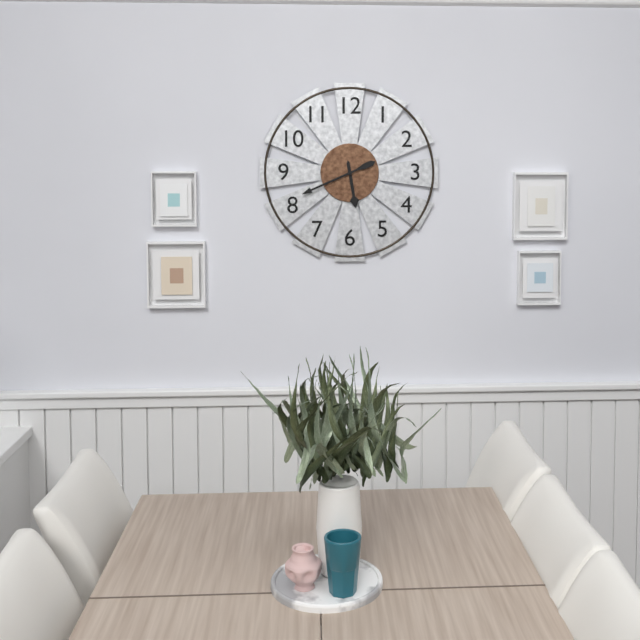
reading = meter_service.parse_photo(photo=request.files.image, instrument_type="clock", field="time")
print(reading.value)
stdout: 5:41
